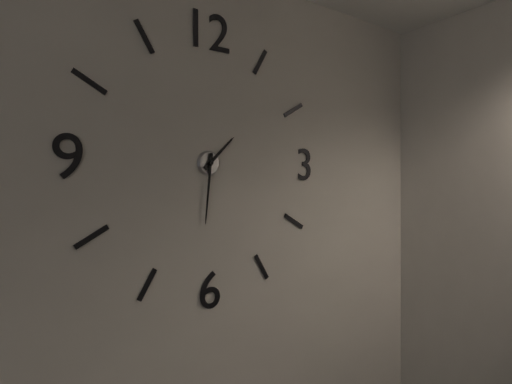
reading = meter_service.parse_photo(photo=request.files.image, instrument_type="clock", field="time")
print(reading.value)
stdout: 1:31
